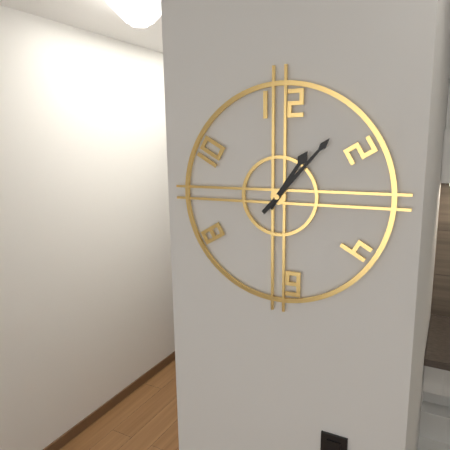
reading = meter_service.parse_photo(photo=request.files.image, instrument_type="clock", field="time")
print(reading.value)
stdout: 1:07
